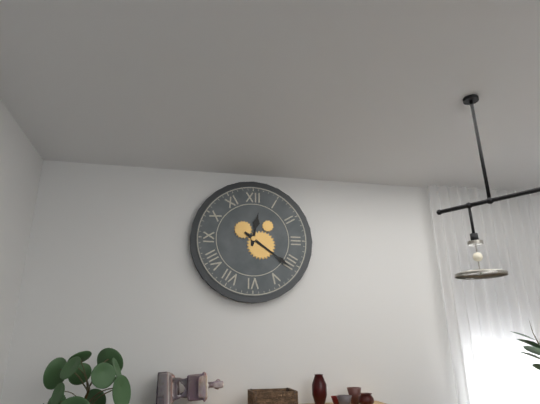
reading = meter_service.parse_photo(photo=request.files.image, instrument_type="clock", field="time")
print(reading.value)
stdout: 12:21
